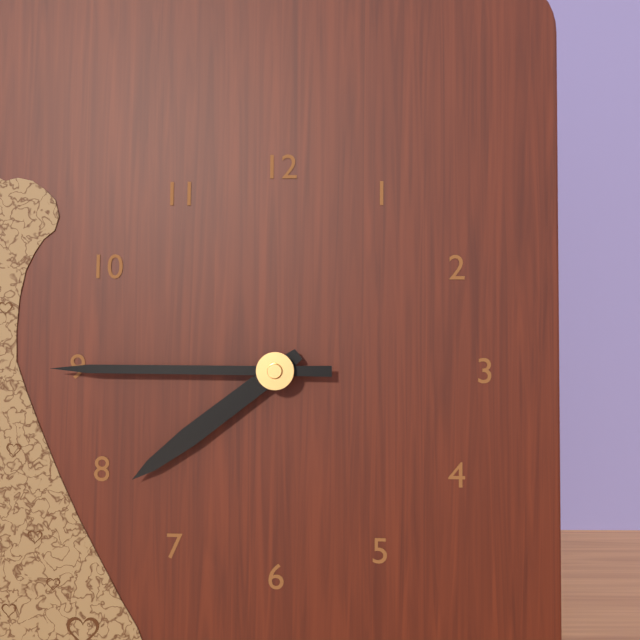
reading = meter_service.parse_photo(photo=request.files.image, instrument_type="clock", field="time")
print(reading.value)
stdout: 7:45
